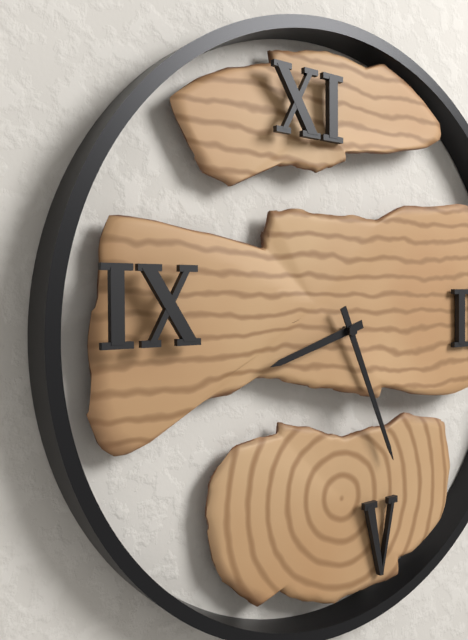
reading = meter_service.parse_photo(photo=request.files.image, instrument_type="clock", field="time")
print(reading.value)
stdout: 8:26
